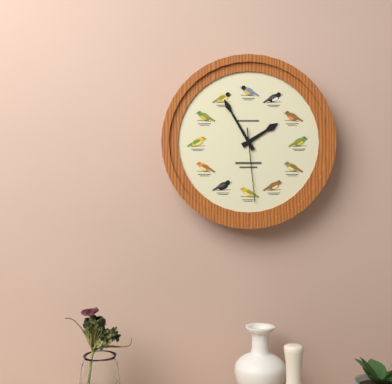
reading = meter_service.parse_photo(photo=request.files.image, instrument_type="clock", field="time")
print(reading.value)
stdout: 1:55:29
